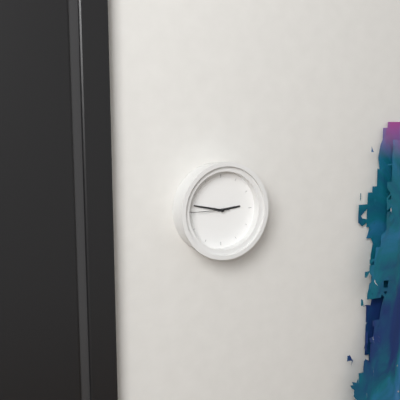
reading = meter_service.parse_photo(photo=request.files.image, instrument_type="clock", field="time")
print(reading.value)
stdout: 2:47
